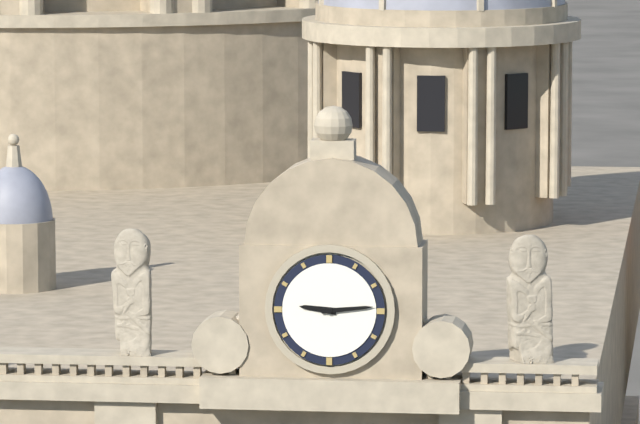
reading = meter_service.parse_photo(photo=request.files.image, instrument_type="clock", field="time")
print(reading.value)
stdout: 9:14
